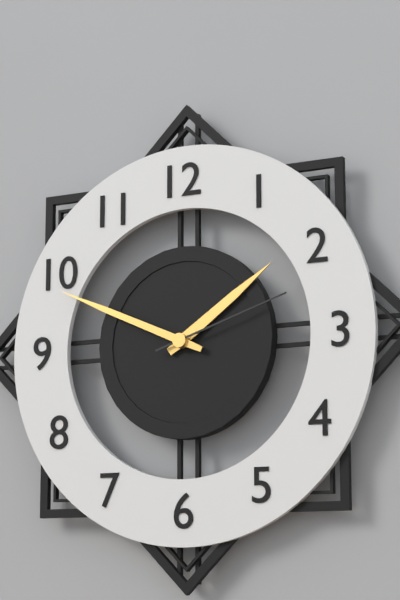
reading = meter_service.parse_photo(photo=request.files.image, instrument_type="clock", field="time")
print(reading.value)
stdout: 1:49:12
